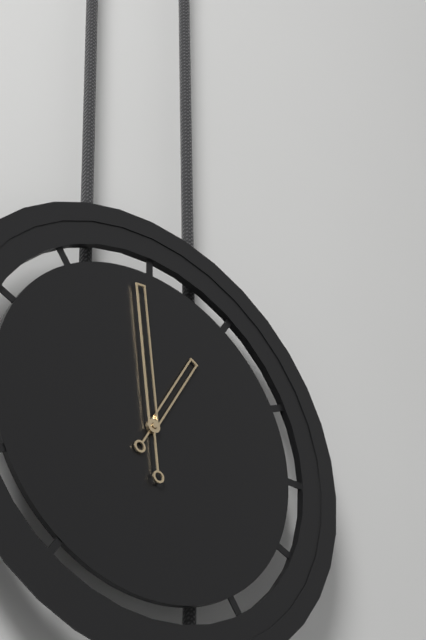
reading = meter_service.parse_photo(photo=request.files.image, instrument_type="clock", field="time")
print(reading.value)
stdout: 12:59
